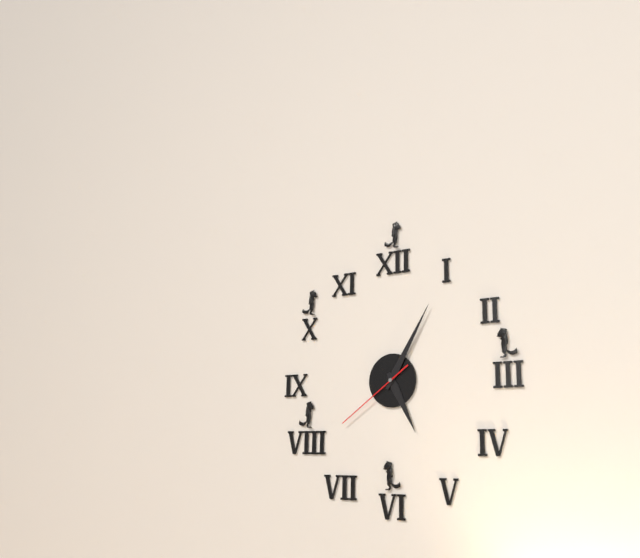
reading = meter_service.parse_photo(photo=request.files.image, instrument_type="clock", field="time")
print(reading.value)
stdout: 5:05:39
